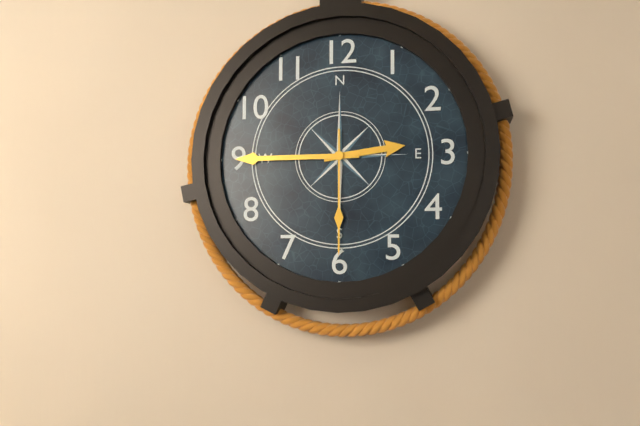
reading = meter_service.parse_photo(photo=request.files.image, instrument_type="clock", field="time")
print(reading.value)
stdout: 2:45:30
